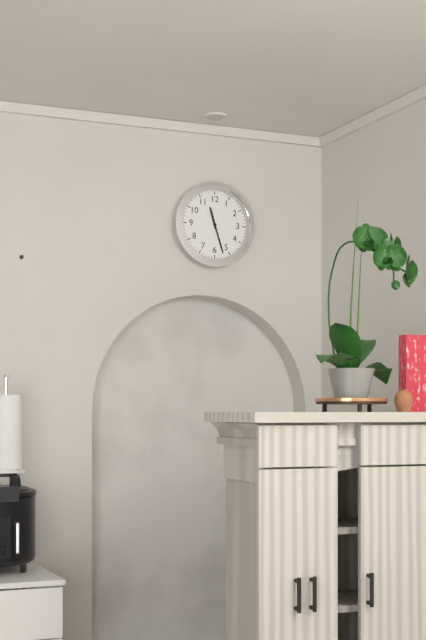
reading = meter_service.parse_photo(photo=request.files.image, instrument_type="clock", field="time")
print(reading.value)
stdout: 11:27
